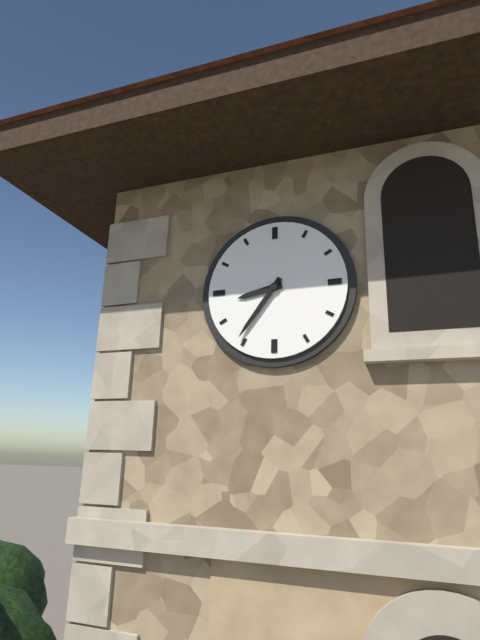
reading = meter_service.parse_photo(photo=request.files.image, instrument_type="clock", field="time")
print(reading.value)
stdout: 8:36
